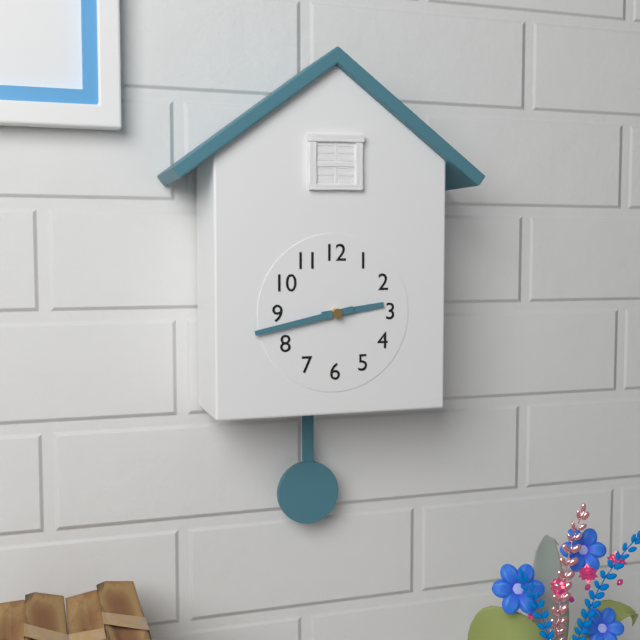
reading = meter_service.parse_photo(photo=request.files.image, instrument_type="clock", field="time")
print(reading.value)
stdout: 2:43
